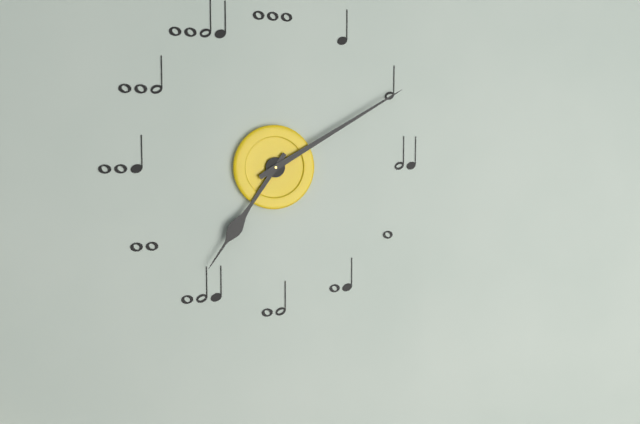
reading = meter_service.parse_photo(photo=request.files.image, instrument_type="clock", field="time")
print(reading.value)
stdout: 7:10
